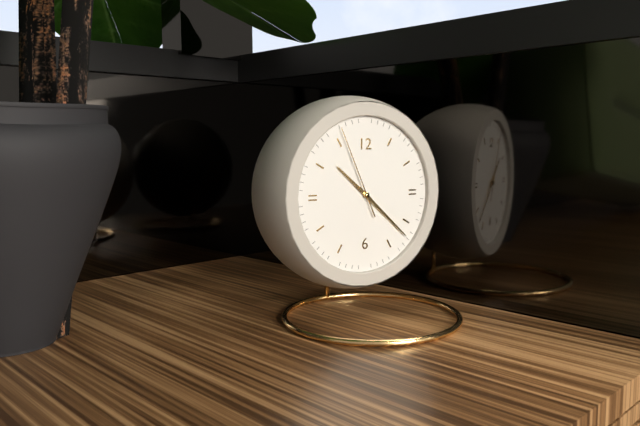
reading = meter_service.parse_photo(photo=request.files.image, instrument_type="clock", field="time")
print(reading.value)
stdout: 10:22:56
